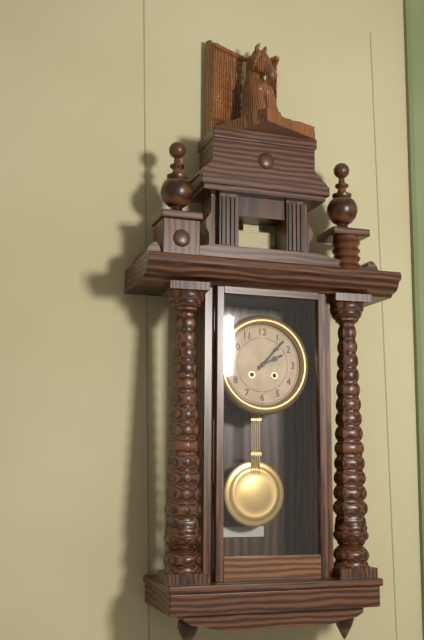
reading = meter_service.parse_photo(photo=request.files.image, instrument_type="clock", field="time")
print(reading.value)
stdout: 2:07
